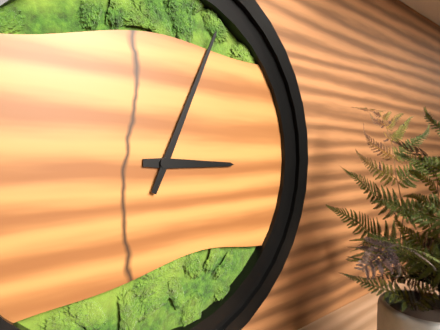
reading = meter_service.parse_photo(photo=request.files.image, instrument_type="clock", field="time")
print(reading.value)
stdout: 3:04
